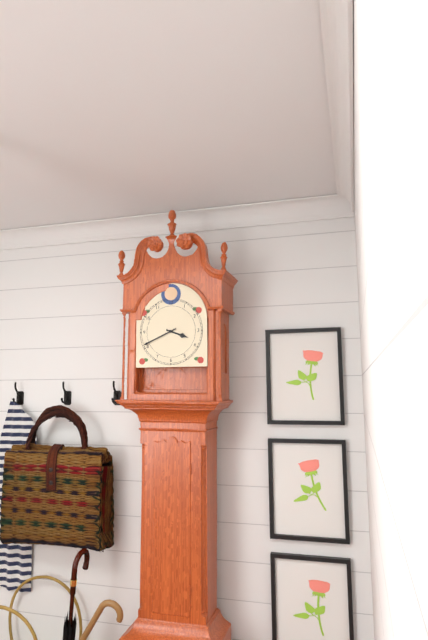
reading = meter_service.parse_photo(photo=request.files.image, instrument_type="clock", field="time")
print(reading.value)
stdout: 3:41
